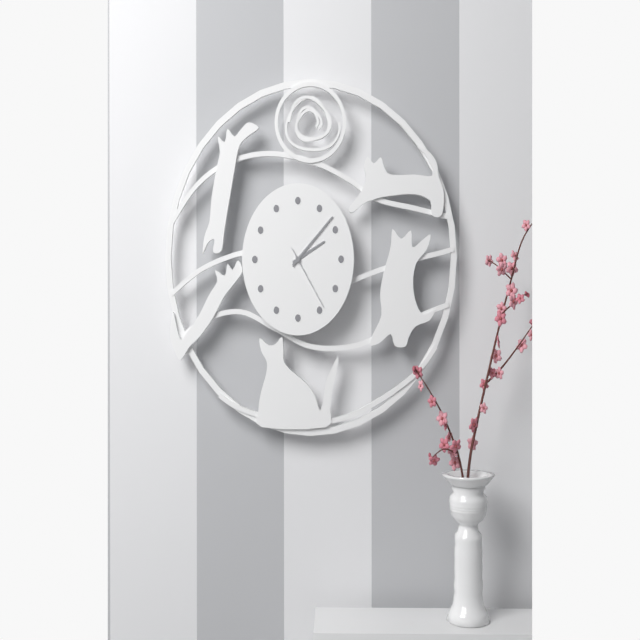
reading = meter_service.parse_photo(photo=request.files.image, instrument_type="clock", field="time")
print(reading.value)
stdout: 2:08:24
